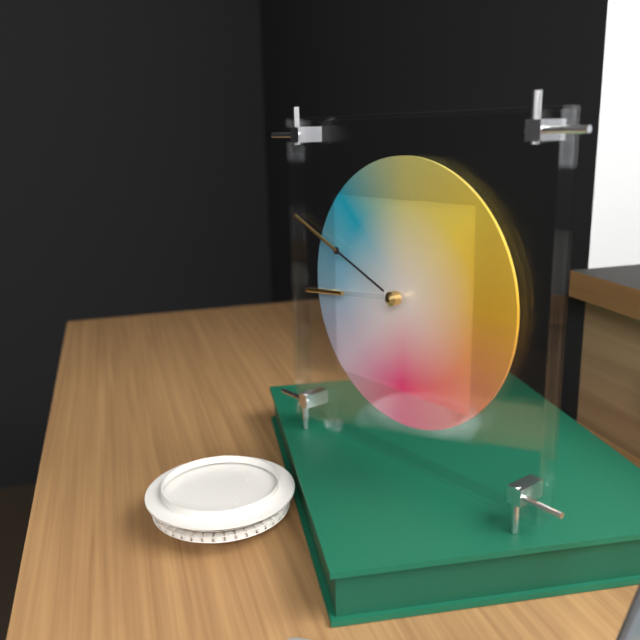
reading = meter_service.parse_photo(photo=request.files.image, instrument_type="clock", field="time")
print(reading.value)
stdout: 8:49
